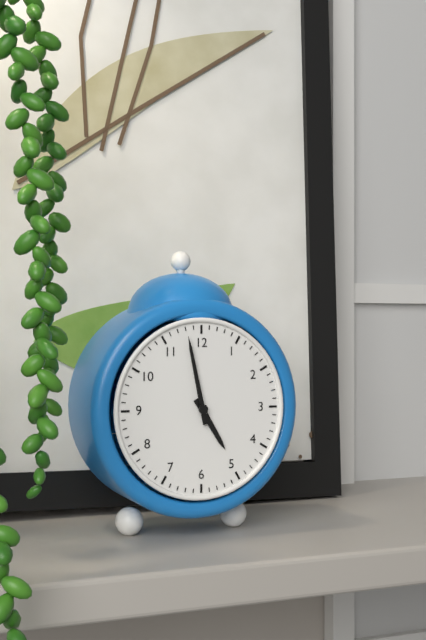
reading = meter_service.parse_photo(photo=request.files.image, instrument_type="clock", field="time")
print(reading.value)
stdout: 4:58
